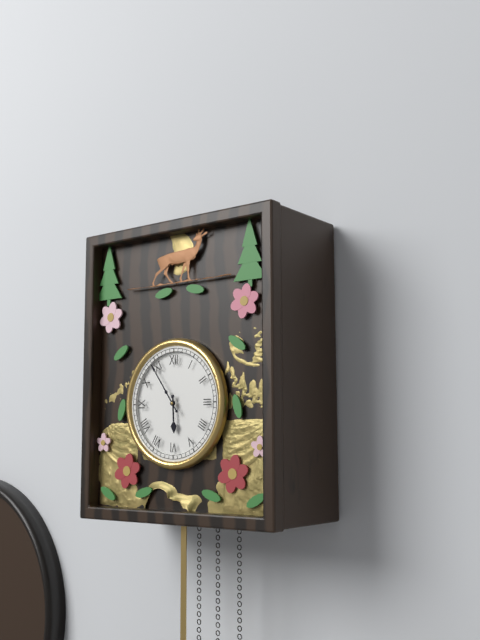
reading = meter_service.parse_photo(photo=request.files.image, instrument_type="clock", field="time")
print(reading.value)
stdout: 5:54
